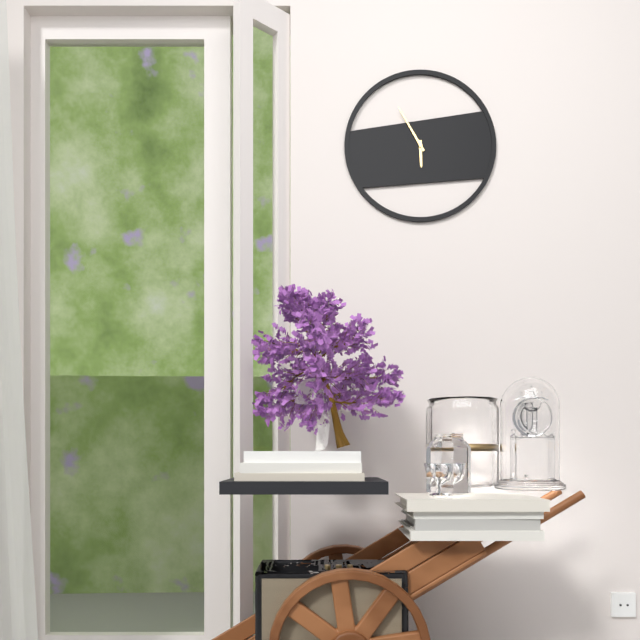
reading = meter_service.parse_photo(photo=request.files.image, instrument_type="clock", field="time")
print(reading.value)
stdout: 5:55
